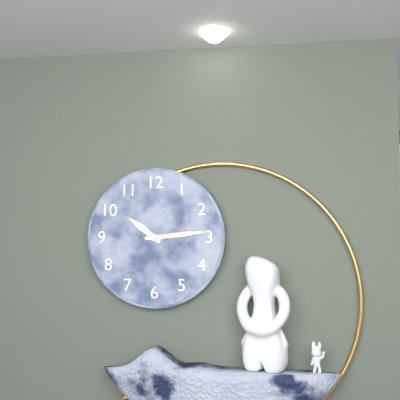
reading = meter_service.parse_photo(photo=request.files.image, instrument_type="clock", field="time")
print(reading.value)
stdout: 10:14
